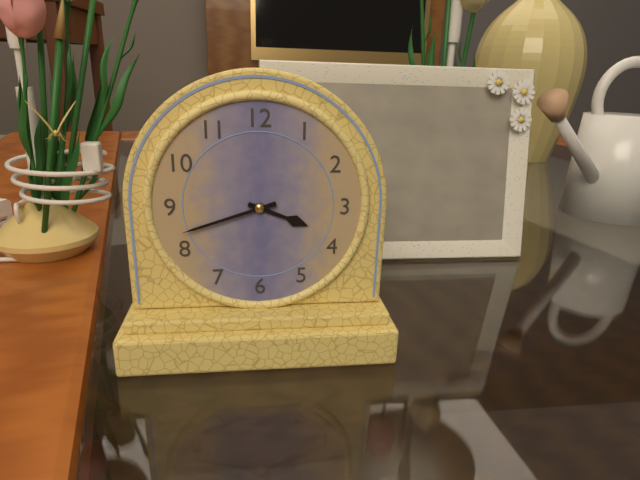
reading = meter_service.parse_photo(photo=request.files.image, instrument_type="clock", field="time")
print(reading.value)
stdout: 3:42
